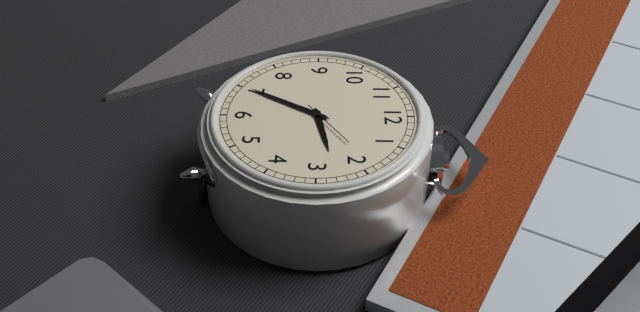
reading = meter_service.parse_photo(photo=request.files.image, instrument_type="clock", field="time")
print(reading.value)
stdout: 2:35:09
